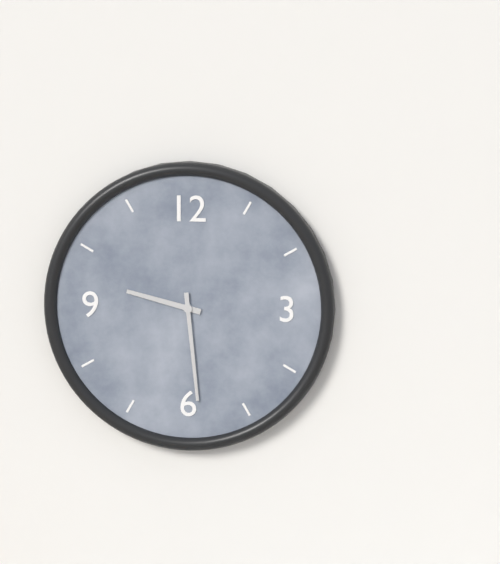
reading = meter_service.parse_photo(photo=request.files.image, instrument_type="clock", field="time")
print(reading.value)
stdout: 9:29
